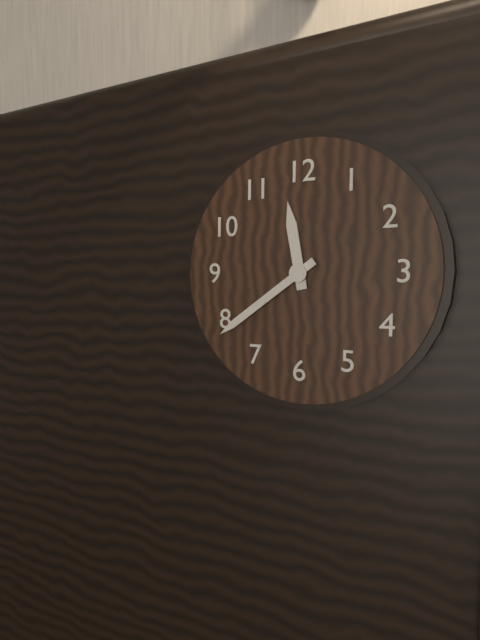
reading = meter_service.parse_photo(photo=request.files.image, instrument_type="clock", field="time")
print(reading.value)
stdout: 11:39
